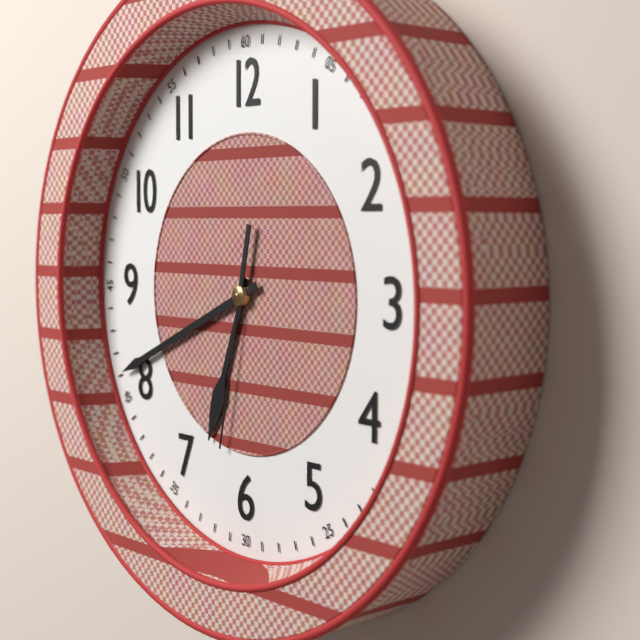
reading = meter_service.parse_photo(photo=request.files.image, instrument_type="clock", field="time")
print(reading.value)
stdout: 6:41:32
